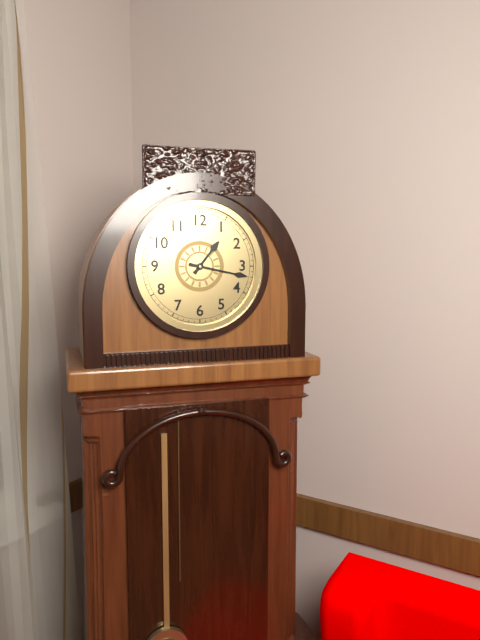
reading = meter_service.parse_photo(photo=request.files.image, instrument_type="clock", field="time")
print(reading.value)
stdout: 1:17
